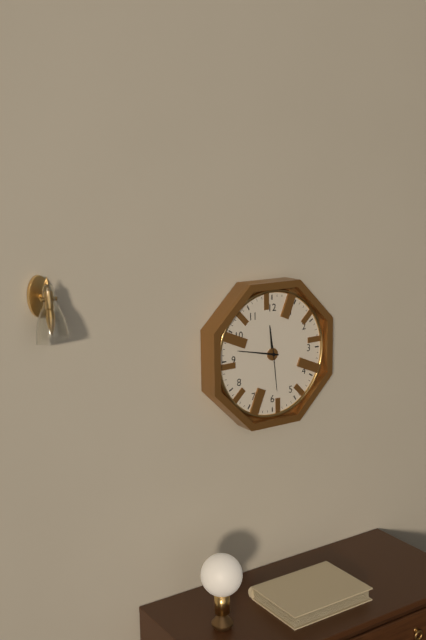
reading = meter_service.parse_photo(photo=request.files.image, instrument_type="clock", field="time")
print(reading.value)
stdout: 11:47
